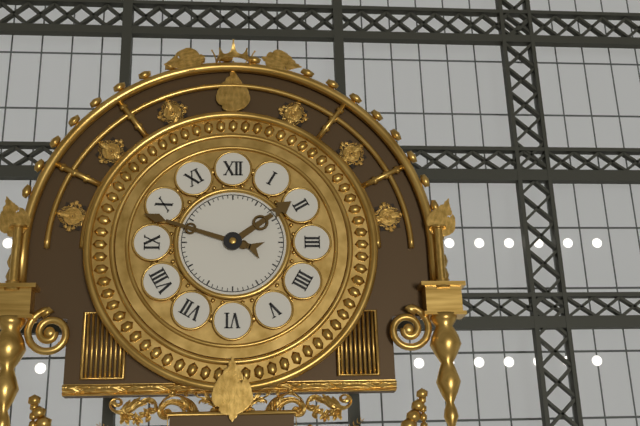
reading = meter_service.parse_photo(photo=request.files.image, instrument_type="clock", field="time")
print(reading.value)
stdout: 1:48
